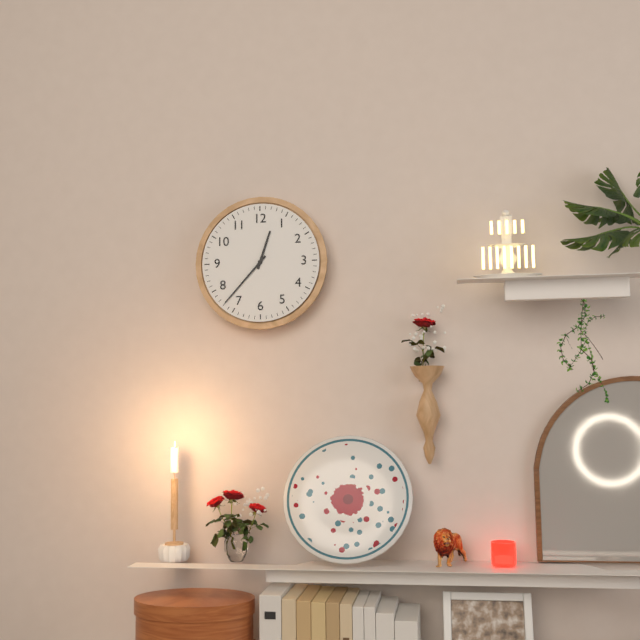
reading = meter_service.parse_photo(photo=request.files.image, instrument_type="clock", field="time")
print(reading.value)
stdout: 12:37
